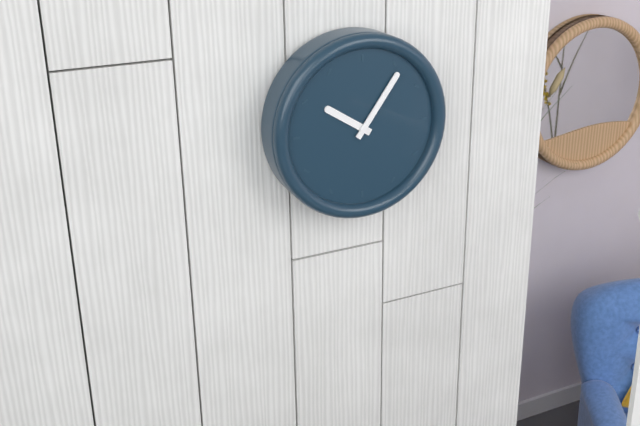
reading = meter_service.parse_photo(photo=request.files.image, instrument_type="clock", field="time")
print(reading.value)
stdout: 10:06
